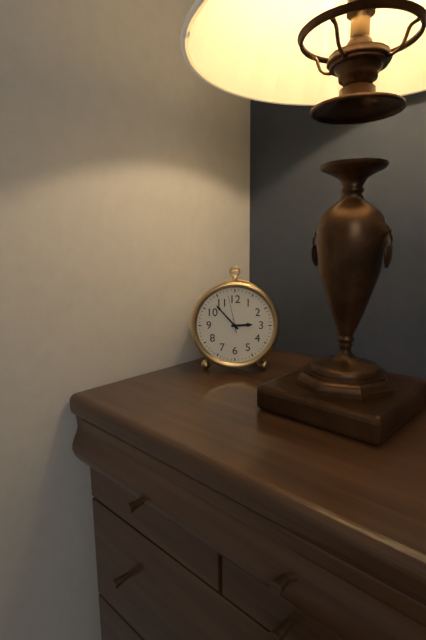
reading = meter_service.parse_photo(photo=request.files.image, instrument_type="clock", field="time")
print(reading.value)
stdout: 2:53
